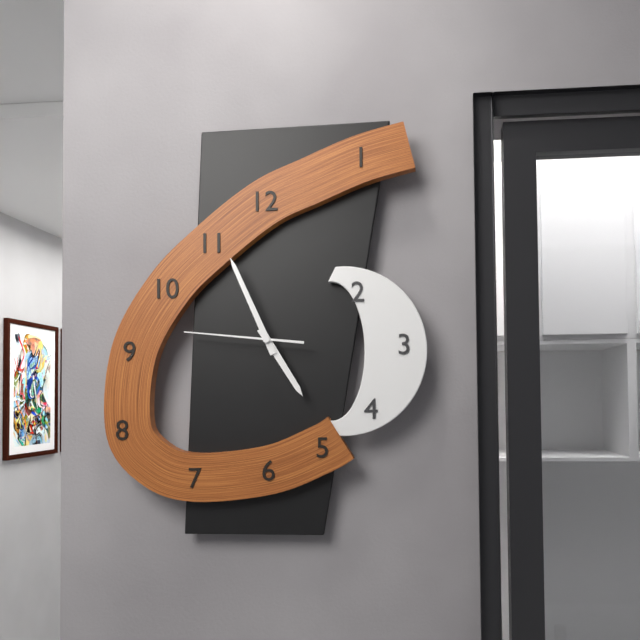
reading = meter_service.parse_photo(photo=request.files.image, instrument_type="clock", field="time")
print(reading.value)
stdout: 4:56:46
